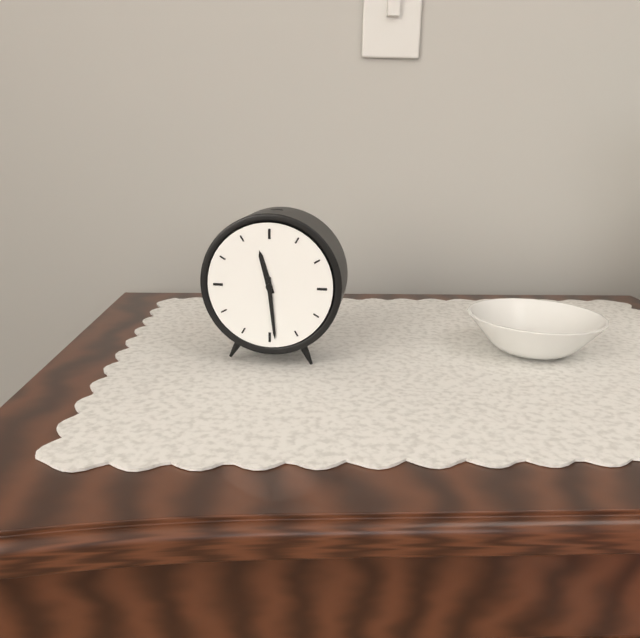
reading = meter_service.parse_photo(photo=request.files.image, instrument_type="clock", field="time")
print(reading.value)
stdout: 11:29
